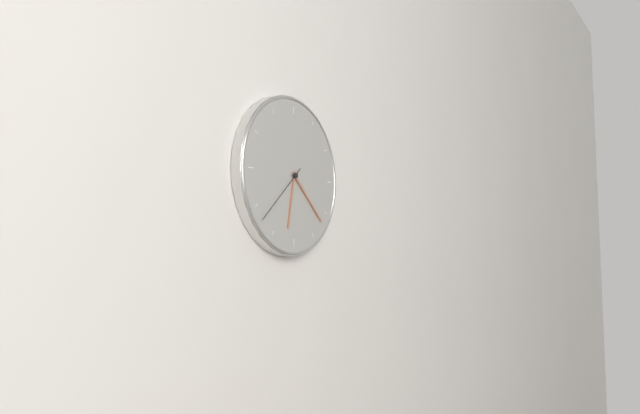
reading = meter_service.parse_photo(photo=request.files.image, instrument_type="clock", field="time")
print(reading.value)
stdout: 6:22:38
